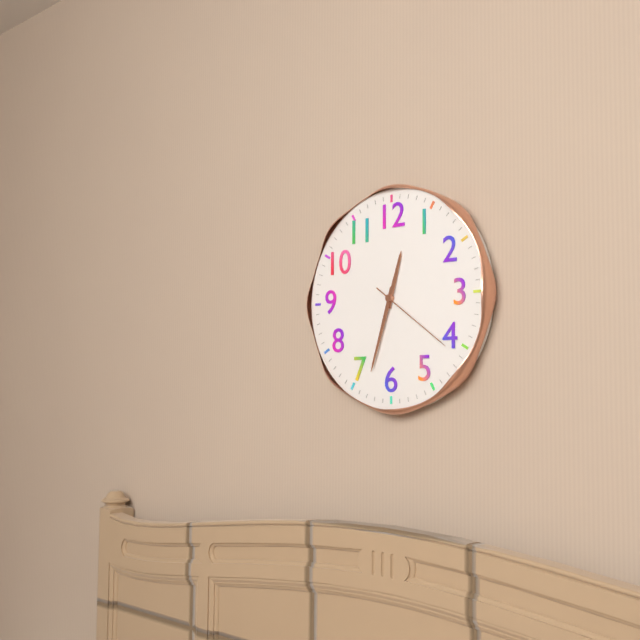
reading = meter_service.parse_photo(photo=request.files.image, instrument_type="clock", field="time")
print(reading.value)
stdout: 12:33:21
